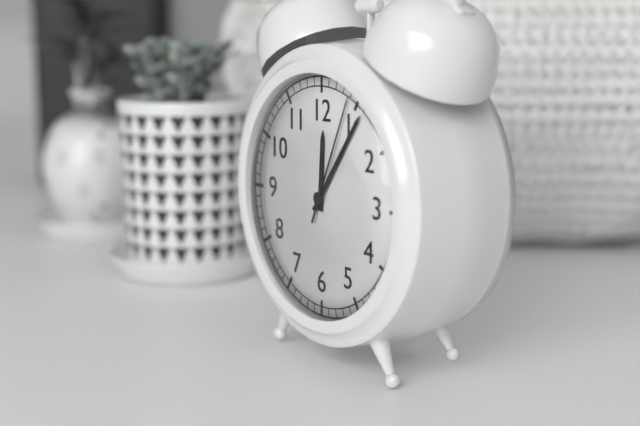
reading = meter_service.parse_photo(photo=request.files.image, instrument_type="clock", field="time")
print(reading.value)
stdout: 12:06:04
